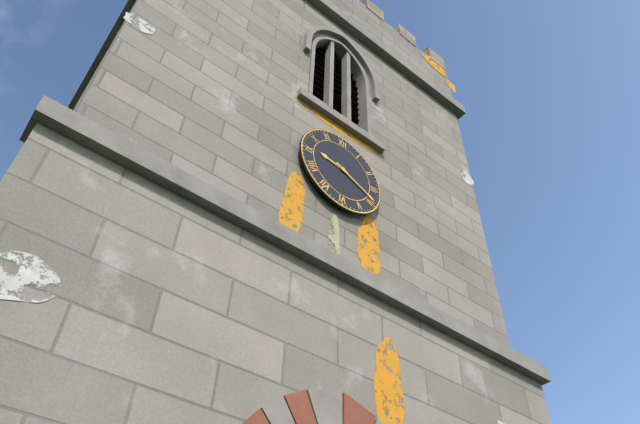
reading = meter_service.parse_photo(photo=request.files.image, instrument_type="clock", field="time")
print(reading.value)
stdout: 9:19
